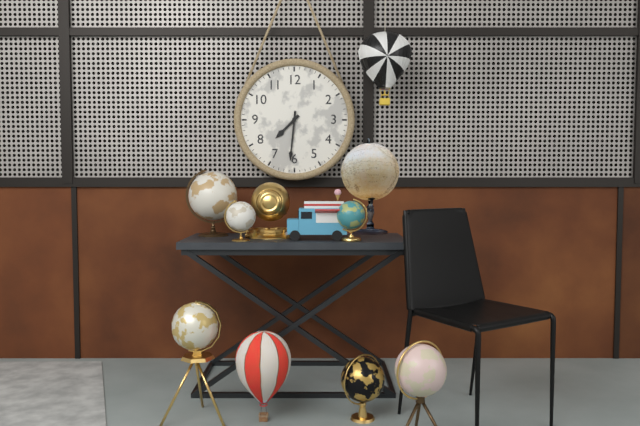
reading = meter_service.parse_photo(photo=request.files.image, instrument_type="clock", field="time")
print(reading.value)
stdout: 7:31
